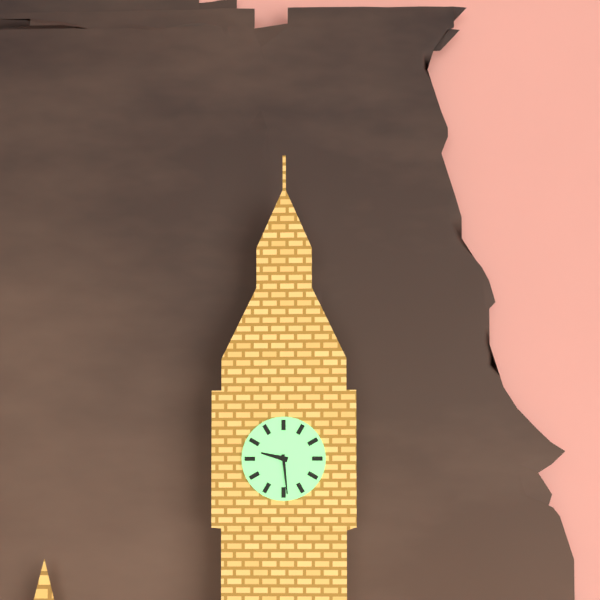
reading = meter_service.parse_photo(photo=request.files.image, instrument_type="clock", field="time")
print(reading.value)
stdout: 9:29
